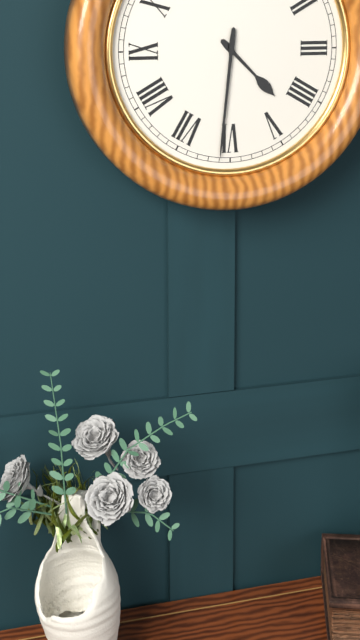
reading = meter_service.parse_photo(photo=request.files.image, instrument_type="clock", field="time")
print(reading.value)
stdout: 4:31
